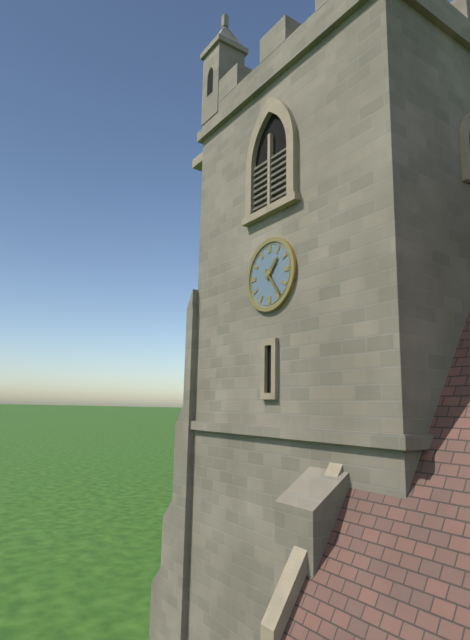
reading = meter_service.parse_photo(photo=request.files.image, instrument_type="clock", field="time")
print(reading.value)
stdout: 1:24
